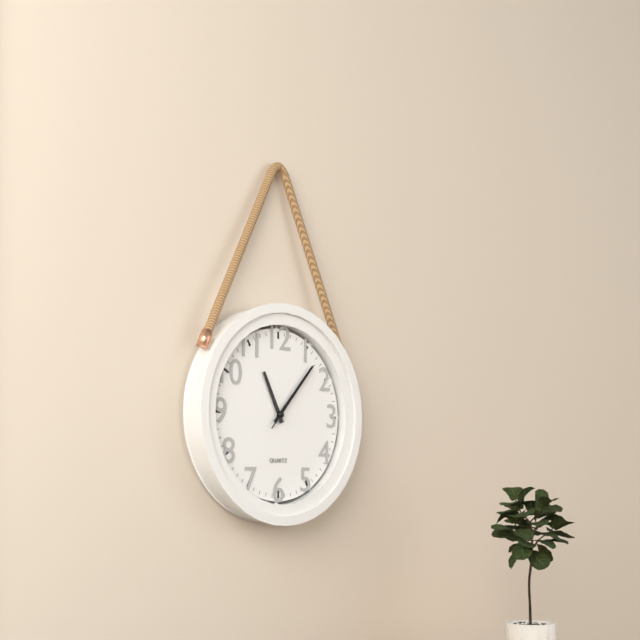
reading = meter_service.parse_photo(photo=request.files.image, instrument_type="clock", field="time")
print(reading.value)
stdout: 11:07:07
